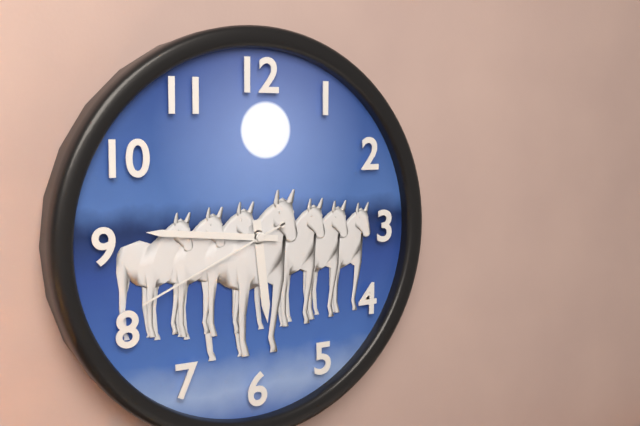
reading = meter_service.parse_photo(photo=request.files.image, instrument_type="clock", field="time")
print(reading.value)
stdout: 5:46:41
